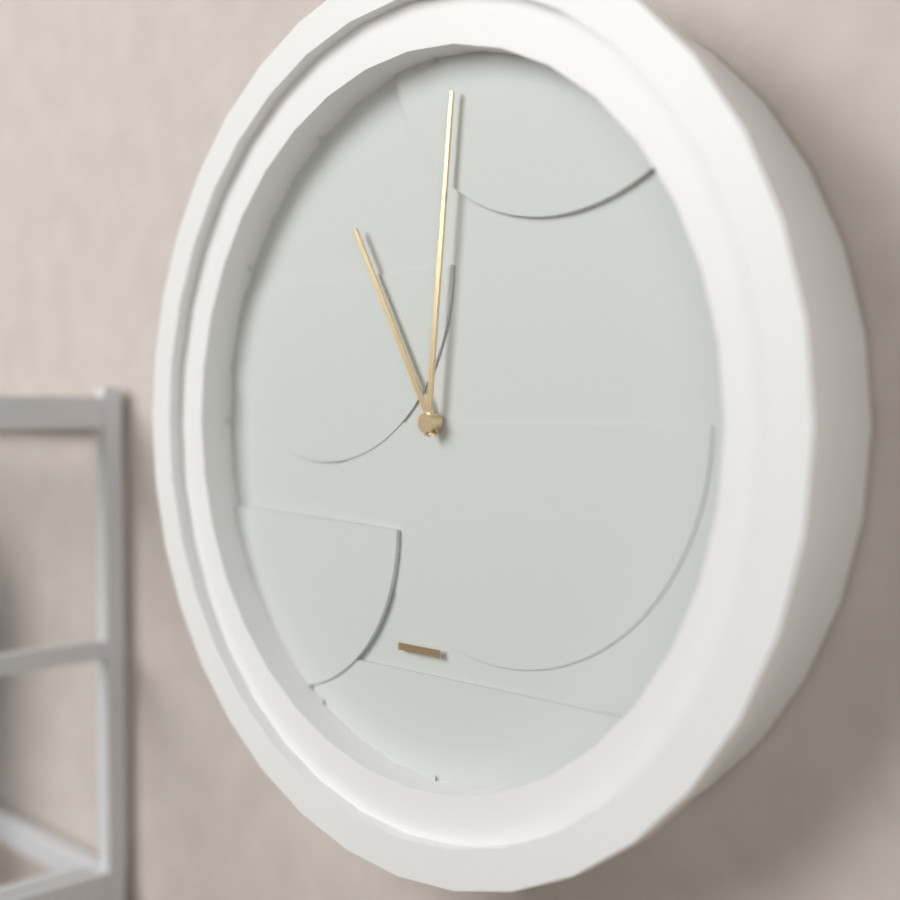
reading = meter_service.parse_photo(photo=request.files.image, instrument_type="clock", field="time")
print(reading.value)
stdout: 11:01
